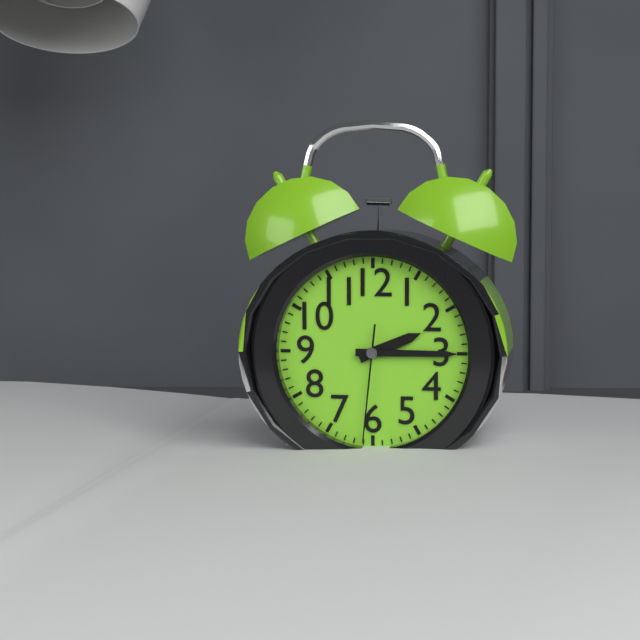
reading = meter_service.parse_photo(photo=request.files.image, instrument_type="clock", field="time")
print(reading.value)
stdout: 2:15:31
